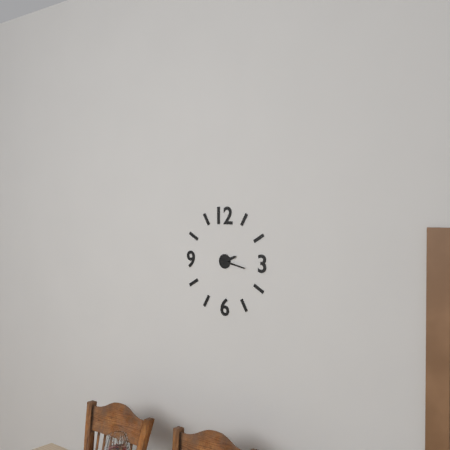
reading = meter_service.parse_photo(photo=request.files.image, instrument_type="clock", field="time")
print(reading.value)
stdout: 2:17
